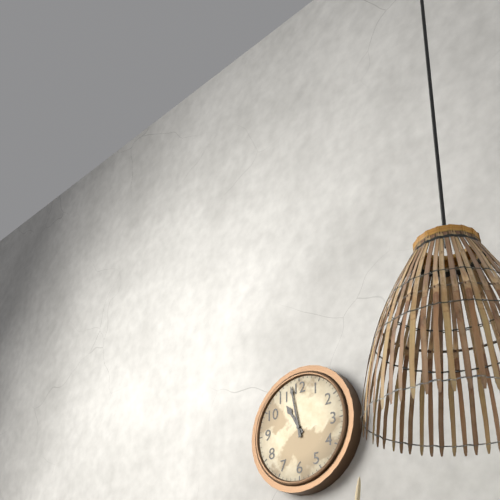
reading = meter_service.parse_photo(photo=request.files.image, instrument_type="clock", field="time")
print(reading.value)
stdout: 10:58
